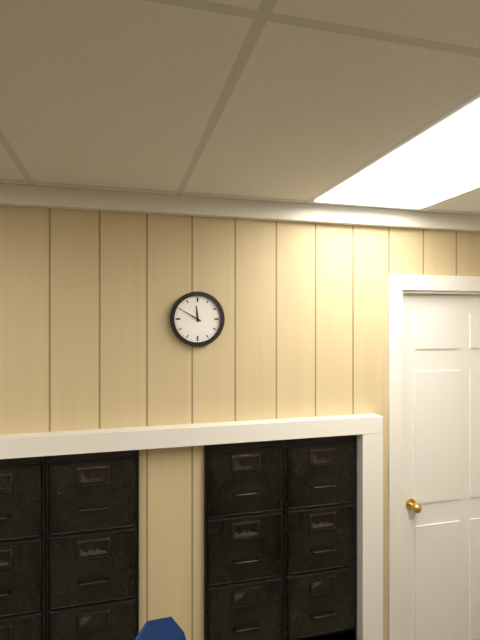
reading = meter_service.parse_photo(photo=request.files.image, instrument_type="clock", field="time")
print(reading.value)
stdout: 11:50
